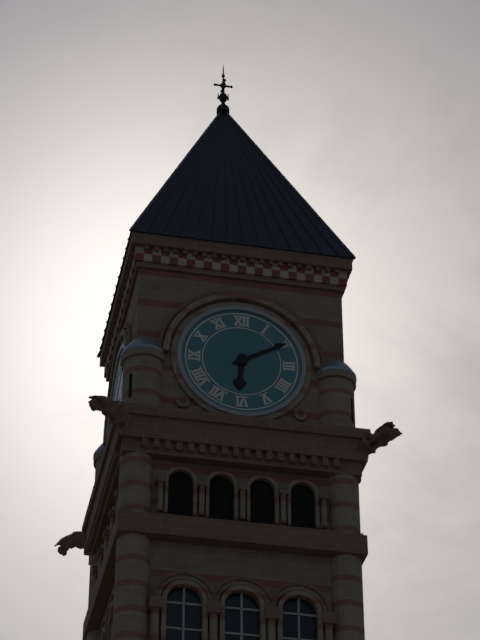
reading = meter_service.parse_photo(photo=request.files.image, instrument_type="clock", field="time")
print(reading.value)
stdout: 6:10
